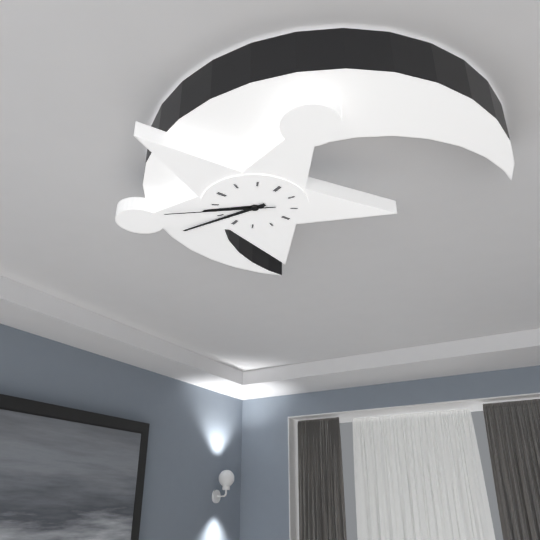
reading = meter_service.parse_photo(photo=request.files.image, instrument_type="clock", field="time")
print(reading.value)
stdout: 7:34:38
